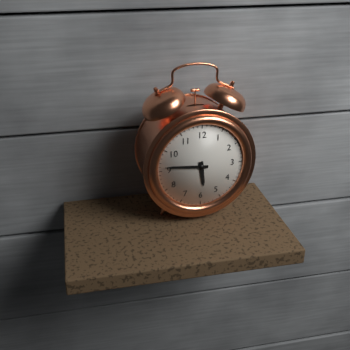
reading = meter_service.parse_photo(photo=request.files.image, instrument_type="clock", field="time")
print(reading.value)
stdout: 5:46
